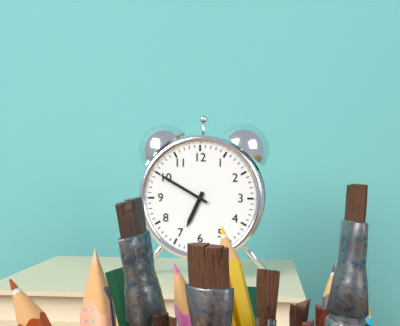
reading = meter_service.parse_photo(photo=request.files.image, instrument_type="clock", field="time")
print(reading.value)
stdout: 6:50
